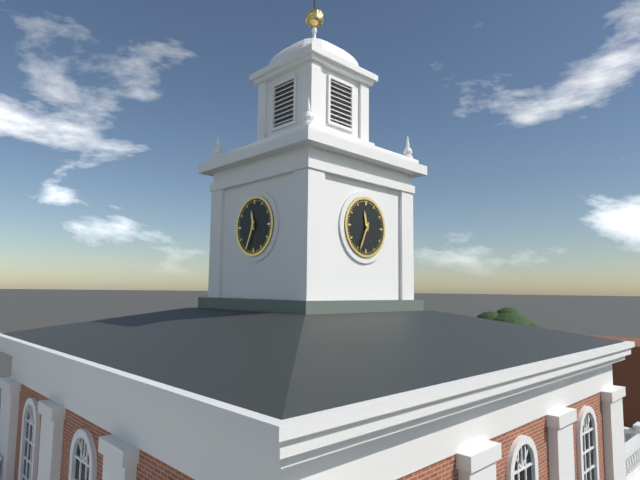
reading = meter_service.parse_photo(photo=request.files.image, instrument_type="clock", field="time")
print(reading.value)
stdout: 11:34
